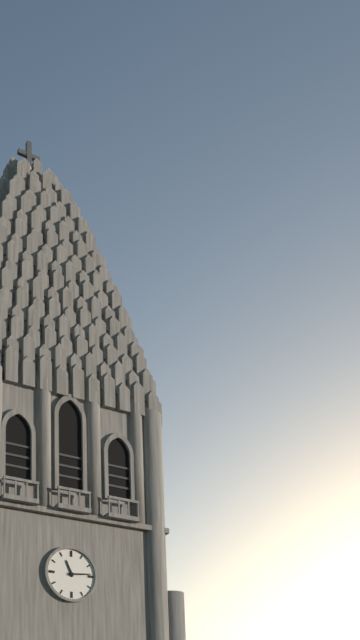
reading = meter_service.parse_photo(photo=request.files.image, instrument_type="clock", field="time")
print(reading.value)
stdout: 11:14
